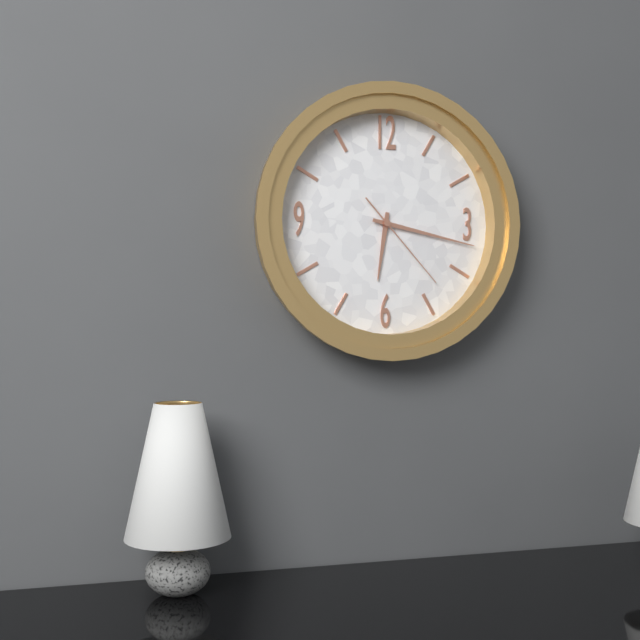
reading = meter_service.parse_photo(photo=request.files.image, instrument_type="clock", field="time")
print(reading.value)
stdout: 6:17:23
